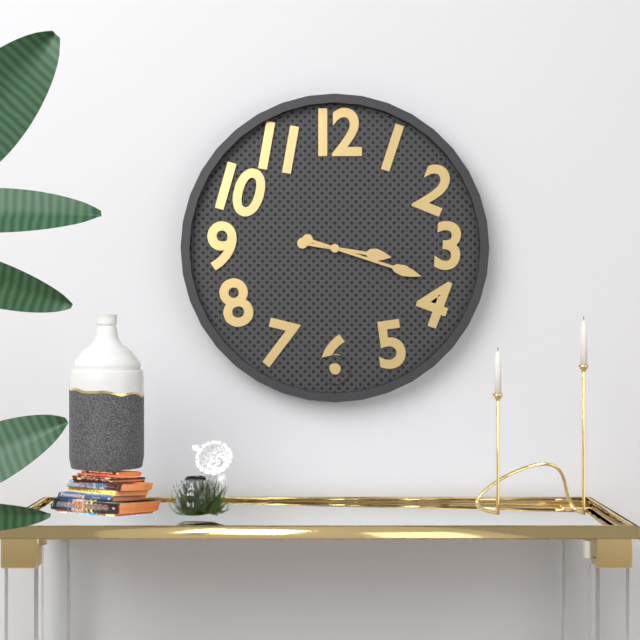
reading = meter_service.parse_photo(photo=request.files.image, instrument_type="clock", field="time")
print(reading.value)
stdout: 3:18
